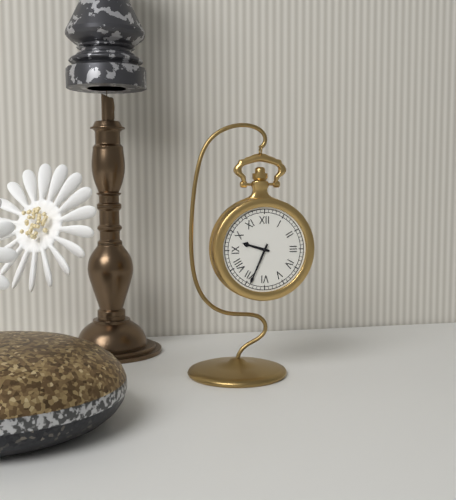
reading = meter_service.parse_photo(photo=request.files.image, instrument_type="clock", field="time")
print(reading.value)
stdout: 9:34
